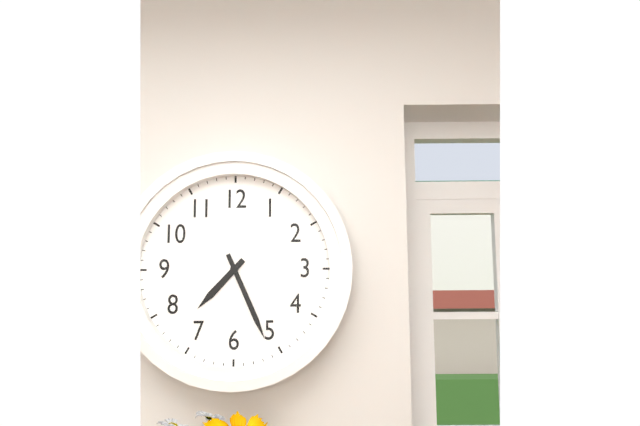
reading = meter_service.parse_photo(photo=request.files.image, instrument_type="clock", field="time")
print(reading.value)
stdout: 7:26
